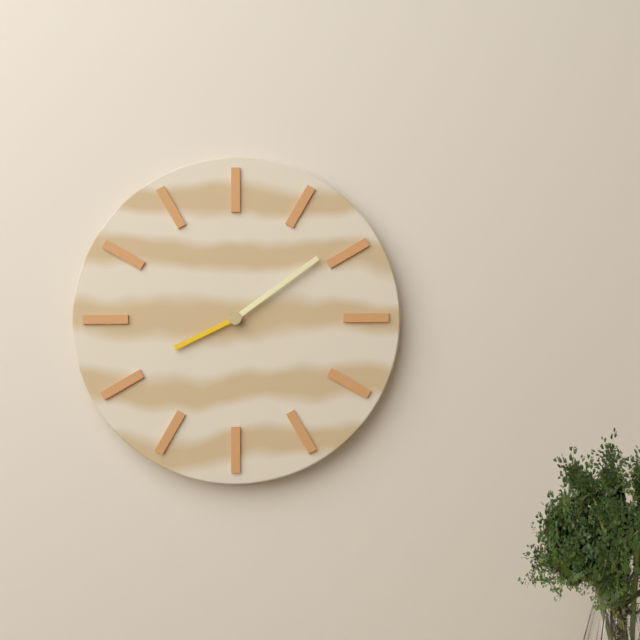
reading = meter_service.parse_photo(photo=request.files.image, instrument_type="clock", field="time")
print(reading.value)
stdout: 8:09
